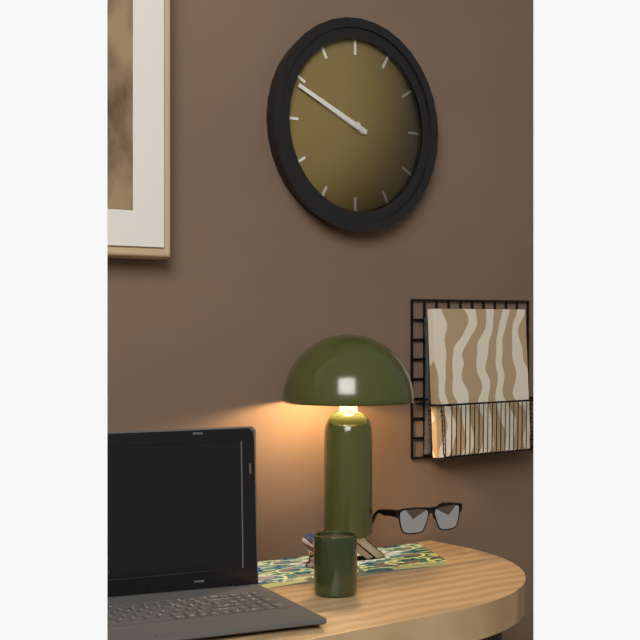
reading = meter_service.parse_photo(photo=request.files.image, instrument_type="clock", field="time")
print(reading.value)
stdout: 9:49
